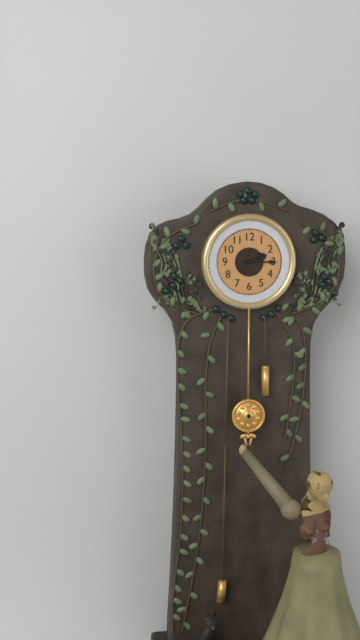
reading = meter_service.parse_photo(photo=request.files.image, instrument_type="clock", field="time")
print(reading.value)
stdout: 2:15
